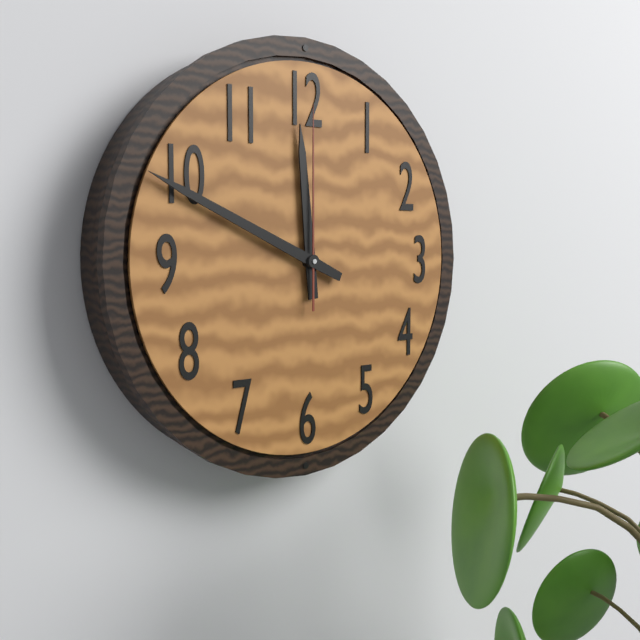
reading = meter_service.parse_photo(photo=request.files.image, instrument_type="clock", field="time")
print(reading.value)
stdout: 11:49:00
